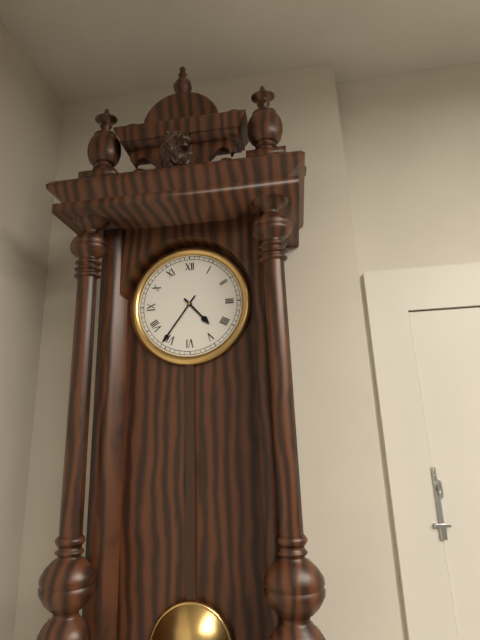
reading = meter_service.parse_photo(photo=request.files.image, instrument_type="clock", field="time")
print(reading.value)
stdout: 4:36
